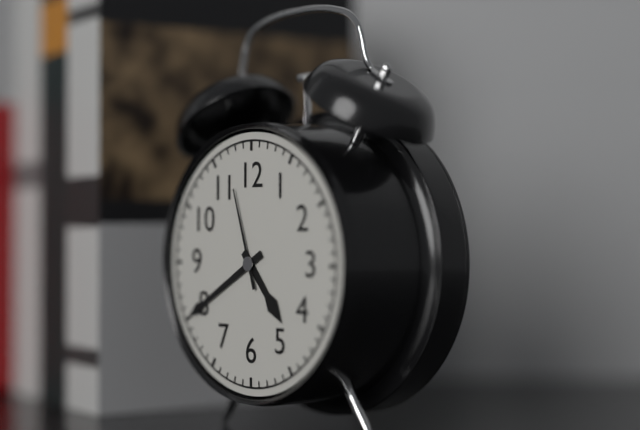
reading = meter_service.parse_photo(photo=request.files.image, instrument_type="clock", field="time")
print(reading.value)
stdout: 4:40:57
